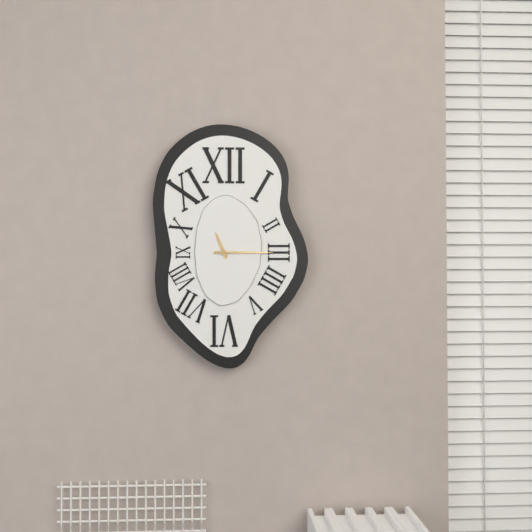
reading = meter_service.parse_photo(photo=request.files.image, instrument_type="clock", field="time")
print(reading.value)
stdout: 11:15
